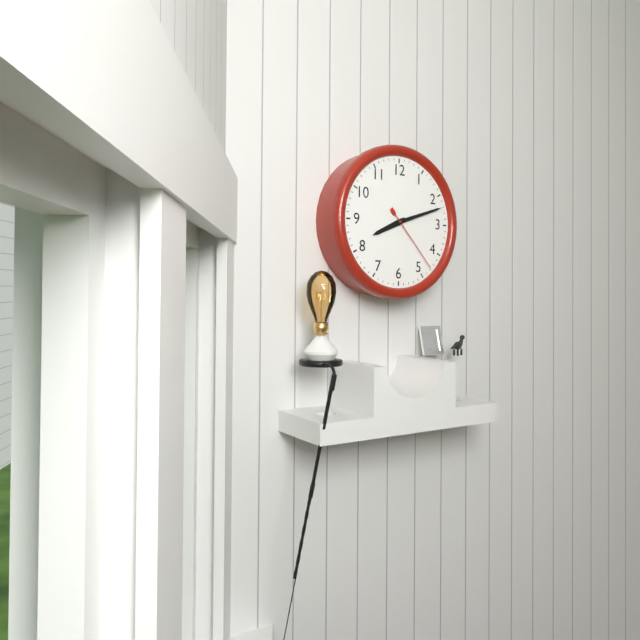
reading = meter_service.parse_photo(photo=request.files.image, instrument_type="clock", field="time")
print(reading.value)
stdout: 8:12:23
